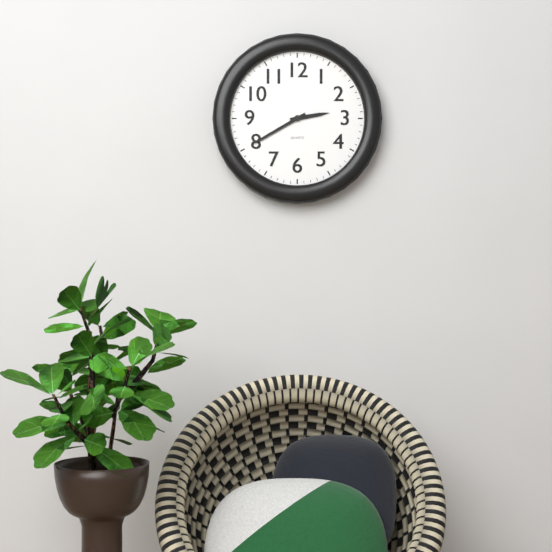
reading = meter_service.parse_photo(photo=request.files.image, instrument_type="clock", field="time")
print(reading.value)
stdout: 2:40
